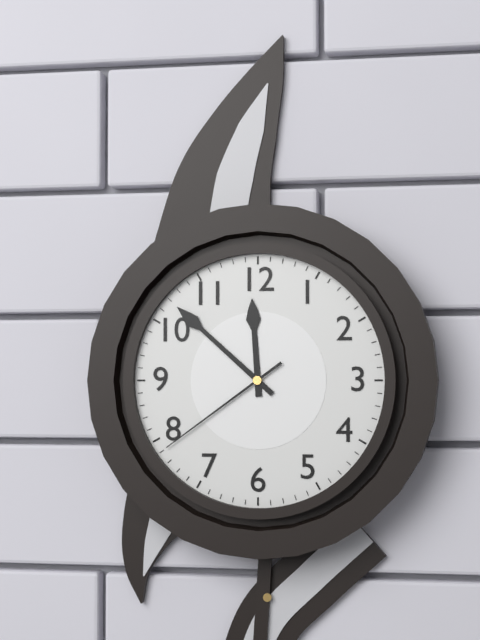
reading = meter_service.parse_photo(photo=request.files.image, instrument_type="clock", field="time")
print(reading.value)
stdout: 11:52:39
